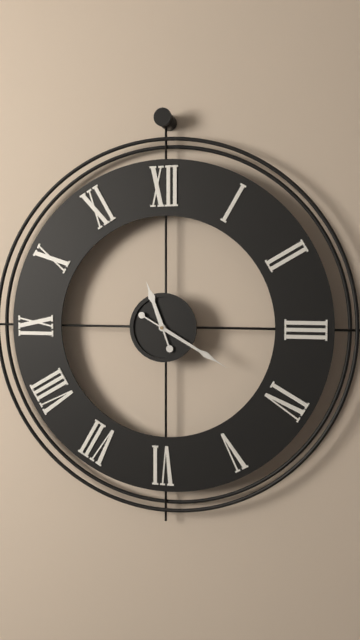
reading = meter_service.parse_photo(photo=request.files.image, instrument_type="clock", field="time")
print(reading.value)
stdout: 11:20
